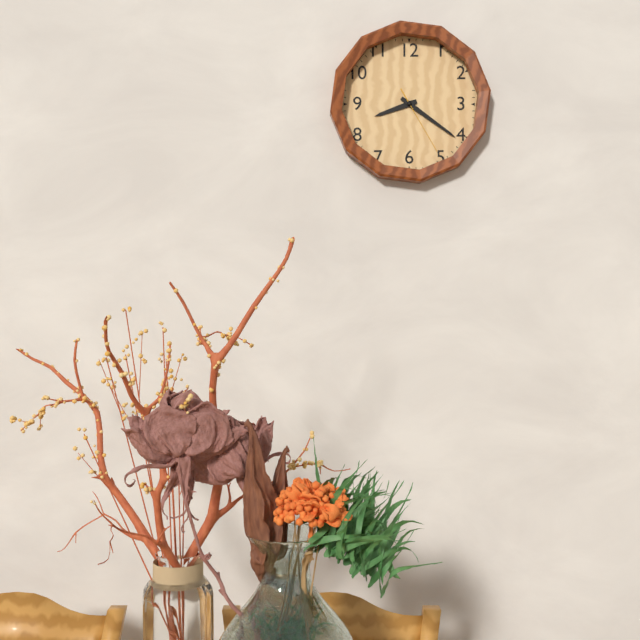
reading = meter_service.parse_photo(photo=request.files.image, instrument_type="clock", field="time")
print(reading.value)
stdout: 8:21:25
